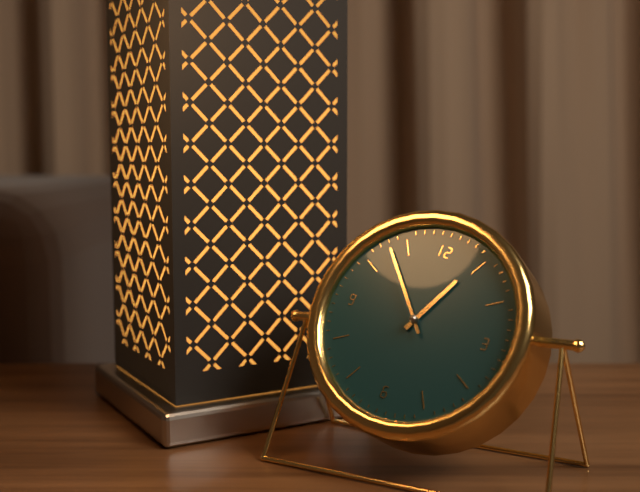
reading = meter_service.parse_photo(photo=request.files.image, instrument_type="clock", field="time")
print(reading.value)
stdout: 12:53
